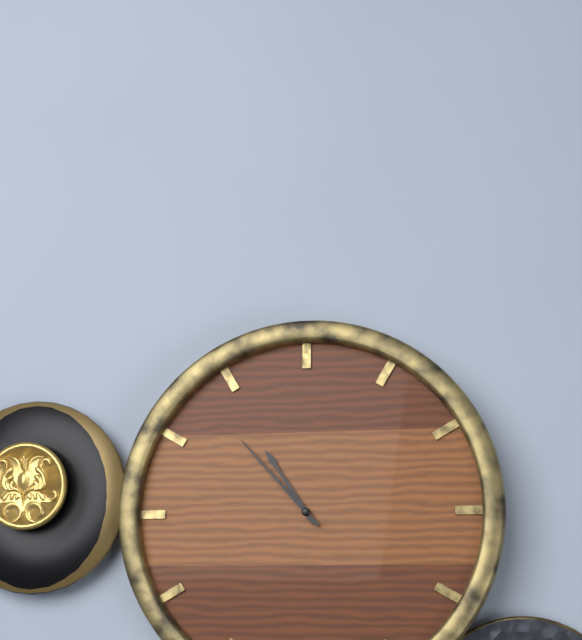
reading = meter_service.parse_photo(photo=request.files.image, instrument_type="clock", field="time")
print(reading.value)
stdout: 10:53
